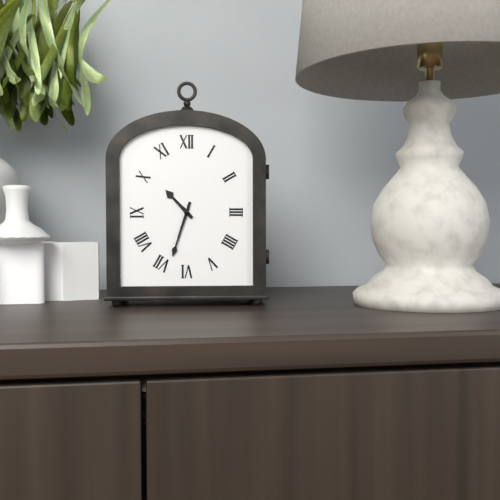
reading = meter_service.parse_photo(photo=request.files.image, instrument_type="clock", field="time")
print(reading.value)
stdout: 10:33
